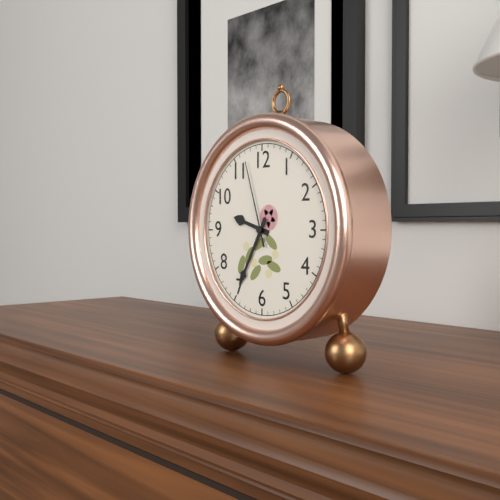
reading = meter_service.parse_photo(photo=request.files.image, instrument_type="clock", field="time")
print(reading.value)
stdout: 9:35:57
